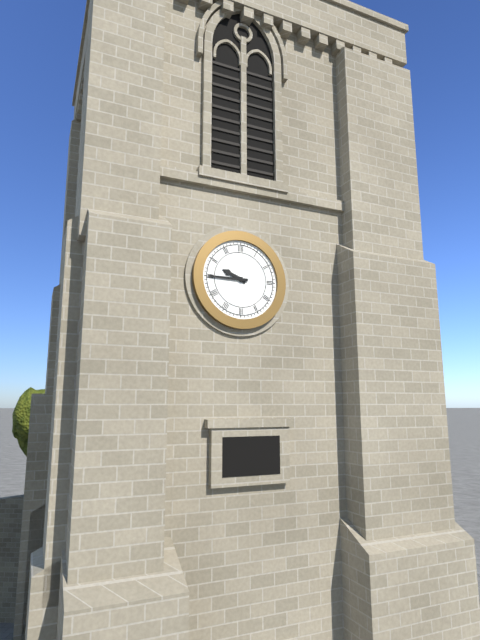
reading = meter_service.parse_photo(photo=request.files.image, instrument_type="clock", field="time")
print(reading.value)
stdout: 9:45
